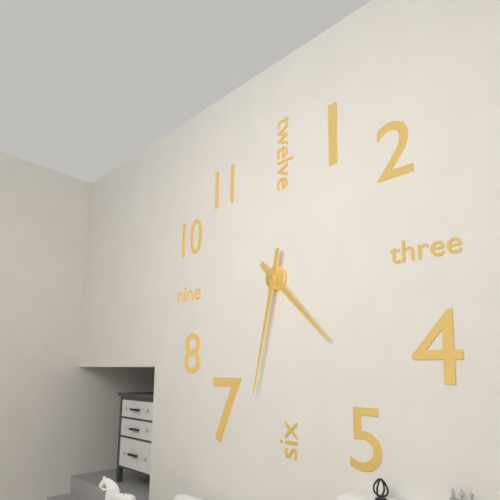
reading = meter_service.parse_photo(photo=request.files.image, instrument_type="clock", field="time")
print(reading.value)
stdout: 4:32
